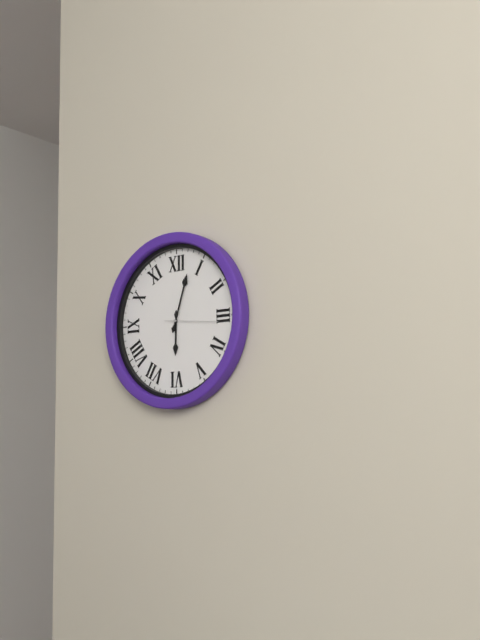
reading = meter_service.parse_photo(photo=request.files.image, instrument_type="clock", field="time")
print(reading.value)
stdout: 6:03
